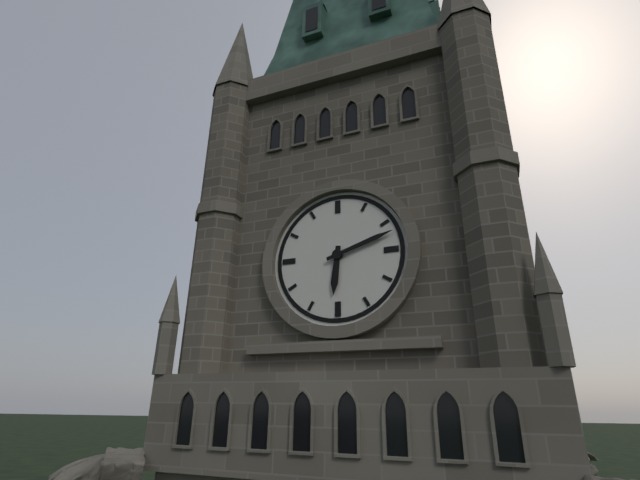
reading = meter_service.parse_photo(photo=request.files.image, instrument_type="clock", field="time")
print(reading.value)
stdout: 6:12
